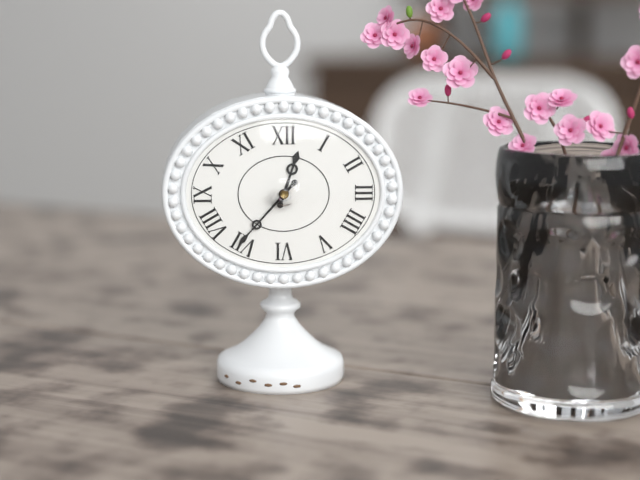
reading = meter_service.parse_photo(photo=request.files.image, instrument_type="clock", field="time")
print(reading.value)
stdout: 12:37
